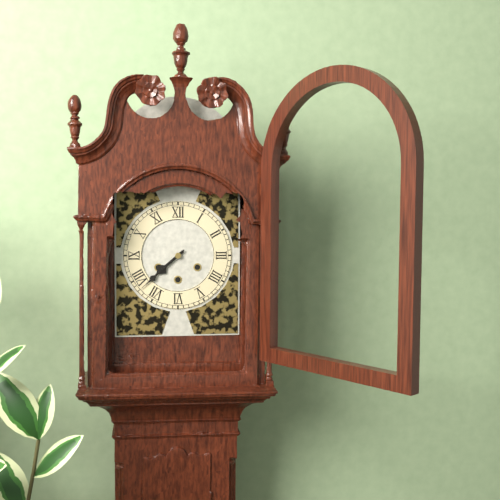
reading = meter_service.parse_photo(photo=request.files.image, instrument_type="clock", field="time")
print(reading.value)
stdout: 7:38
